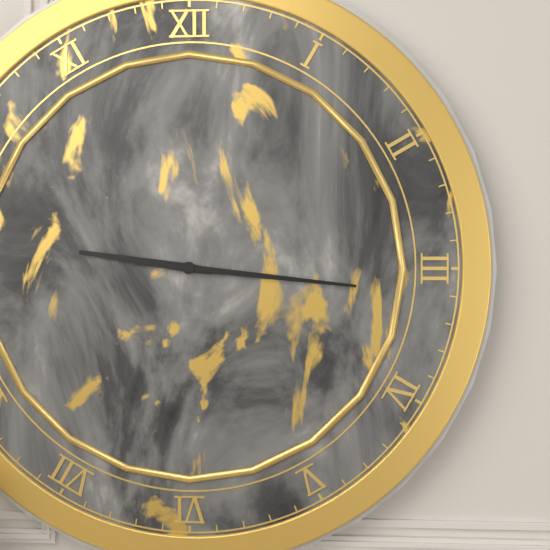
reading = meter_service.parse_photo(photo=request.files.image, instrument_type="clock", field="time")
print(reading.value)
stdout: 9:16
